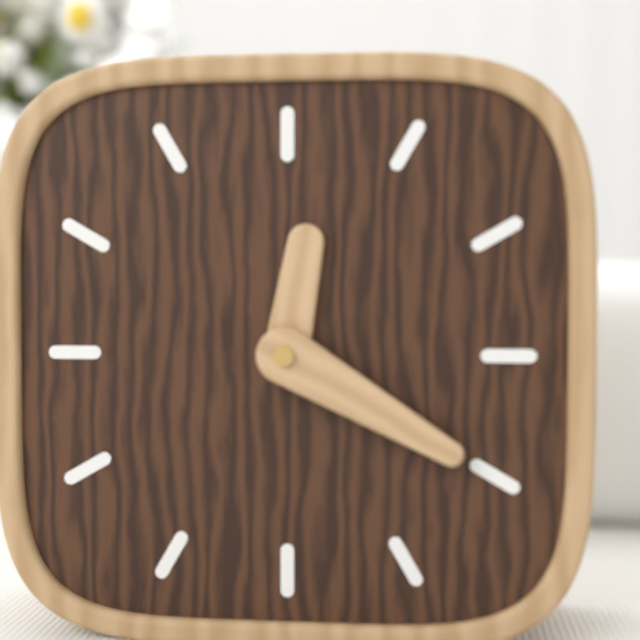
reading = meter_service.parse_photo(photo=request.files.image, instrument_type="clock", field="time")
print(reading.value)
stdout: 12:20
